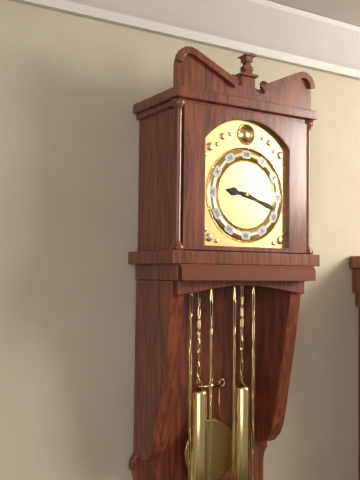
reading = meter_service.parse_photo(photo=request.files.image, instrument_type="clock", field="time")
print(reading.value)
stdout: 9:18
